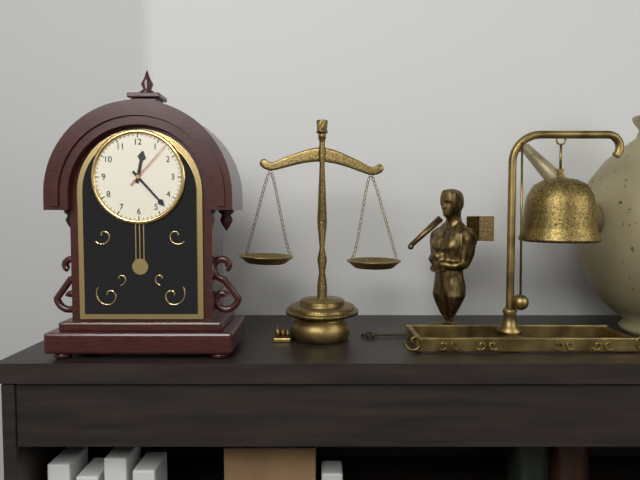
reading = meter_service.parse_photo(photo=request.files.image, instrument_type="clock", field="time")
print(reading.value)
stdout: 12:23:07
